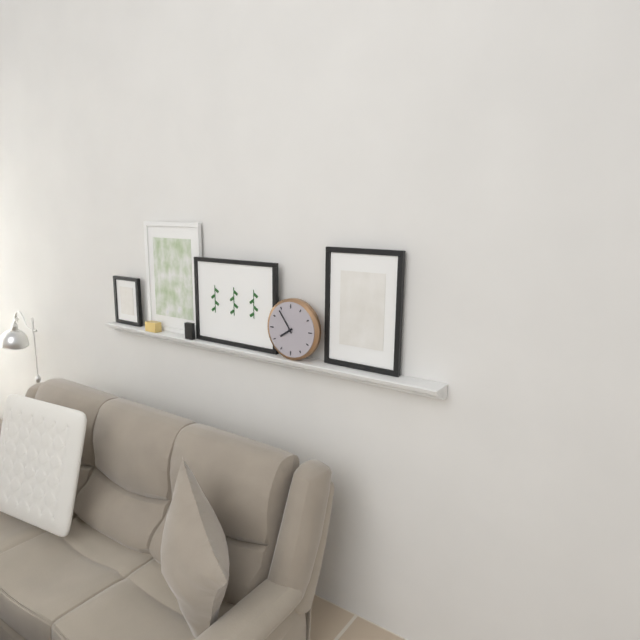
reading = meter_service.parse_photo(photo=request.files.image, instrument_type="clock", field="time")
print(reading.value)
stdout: 7:54
